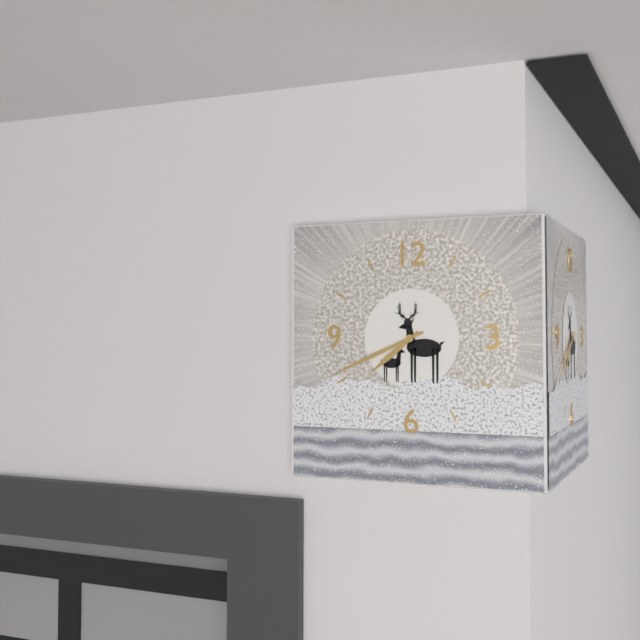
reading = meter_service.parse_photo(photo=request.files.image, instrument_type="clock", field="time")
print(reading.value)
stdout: 7:41
